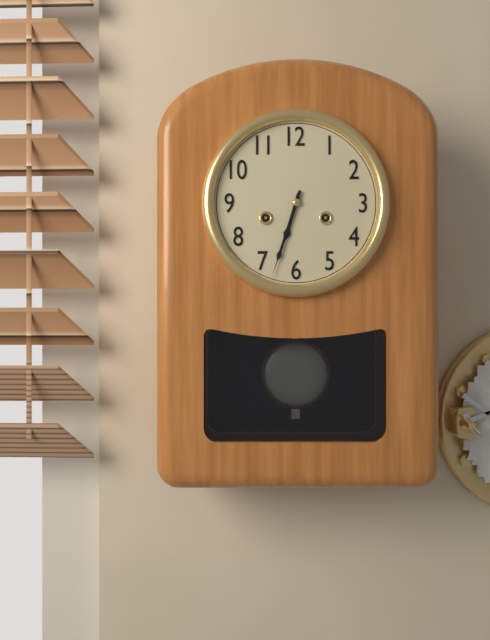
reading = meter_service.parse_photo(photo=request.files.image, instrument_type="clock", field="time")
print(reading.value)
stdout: 6:33
